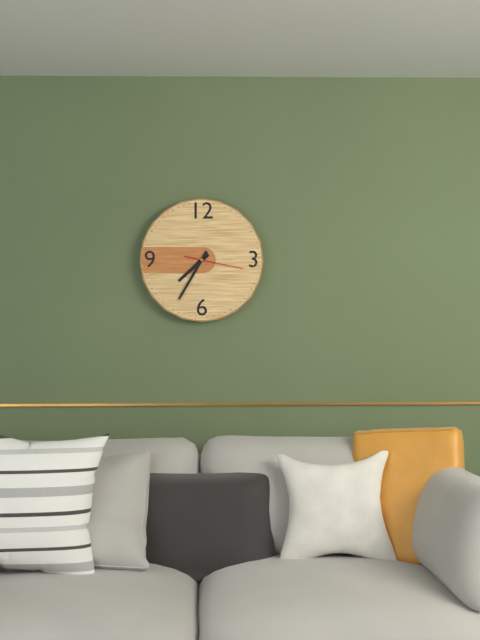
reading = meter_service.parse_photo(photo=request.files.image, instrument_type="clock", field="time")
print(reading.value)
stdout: 7:35:17
